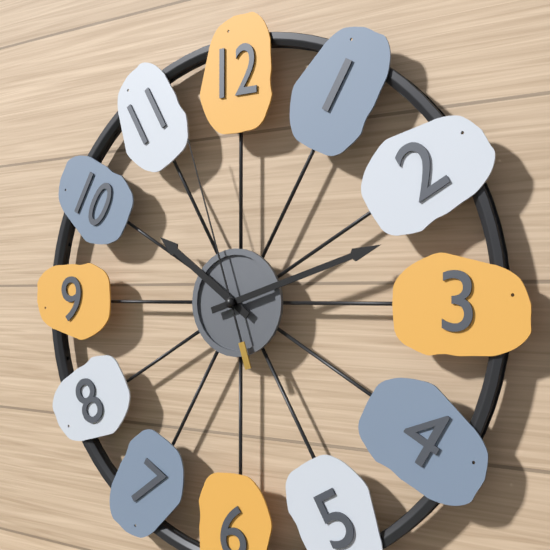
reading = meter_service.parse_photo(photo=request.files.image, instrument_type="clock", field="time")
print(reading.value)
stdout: 10:12:57
